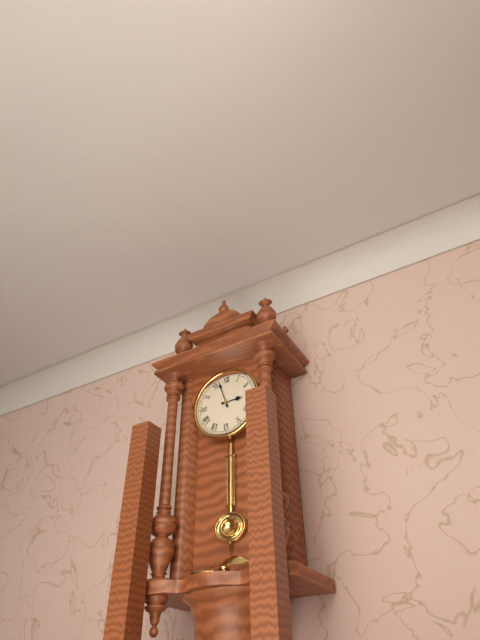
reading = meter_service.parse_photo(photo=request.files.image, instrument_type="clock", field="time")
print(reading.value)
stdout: 2:57
